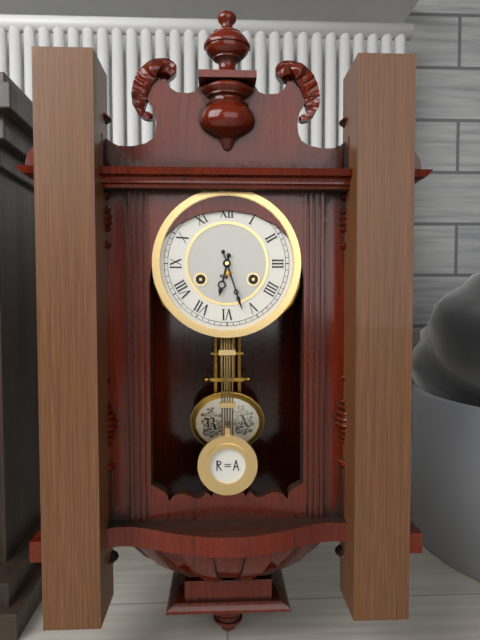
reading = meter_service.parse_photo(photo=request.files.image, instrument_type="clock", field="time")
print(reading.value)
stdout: 6:27
